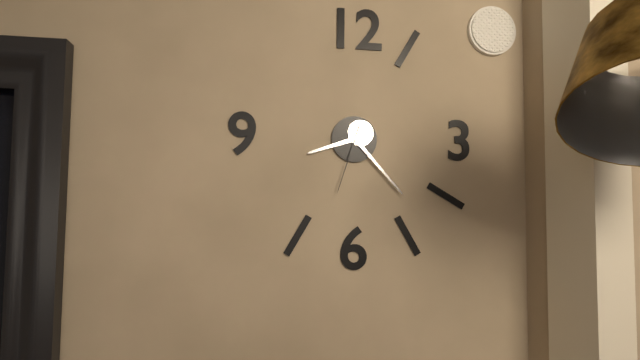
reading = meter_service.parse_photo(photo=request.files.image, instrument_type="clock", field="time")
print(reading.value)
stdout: 8:23:33
